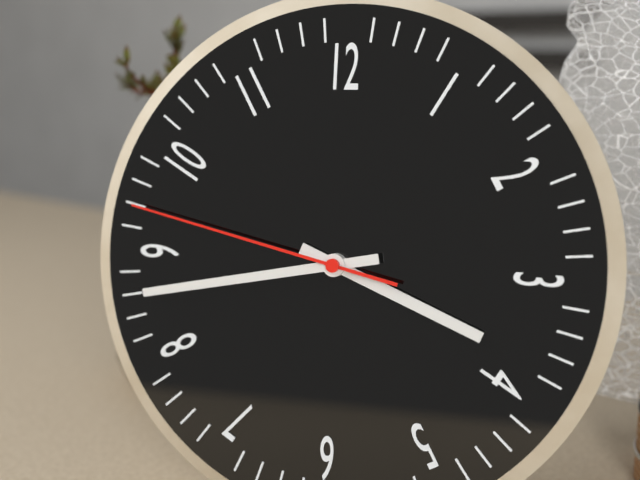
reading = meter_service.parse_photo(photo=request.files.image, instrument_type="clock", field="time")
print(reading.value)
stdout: 3:43:47
